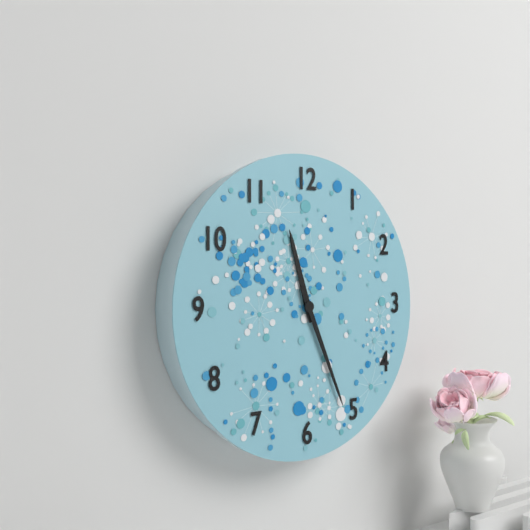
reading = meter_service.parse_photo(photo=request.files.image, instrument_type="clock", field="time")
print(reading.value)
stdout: 11:26
